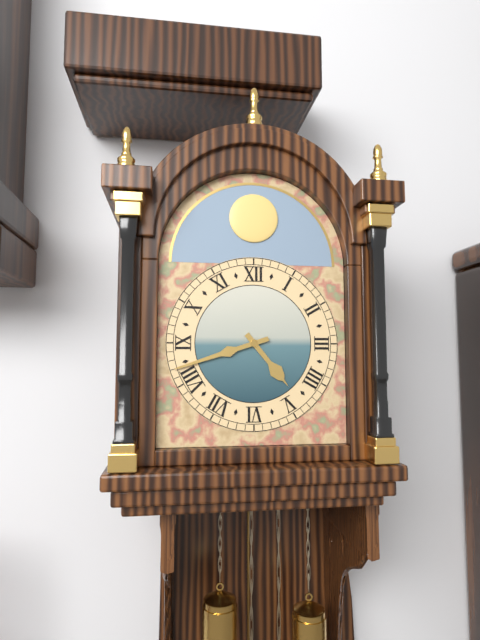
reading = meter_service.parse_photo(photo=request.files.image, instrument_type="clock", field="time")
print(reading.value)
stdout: 4:42
